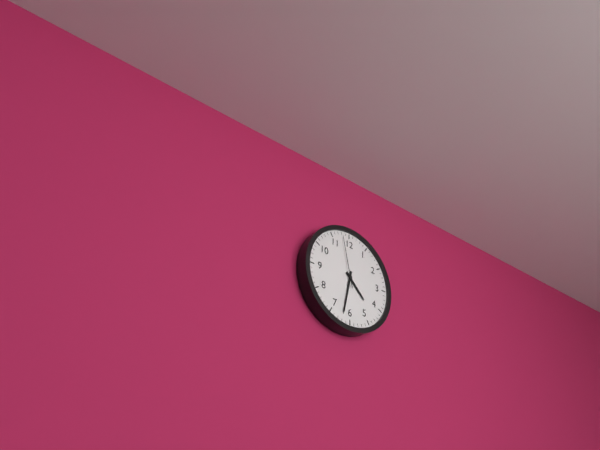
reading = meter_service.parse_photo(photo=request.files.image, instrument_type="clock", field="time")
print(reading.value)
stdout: 4:32:58
